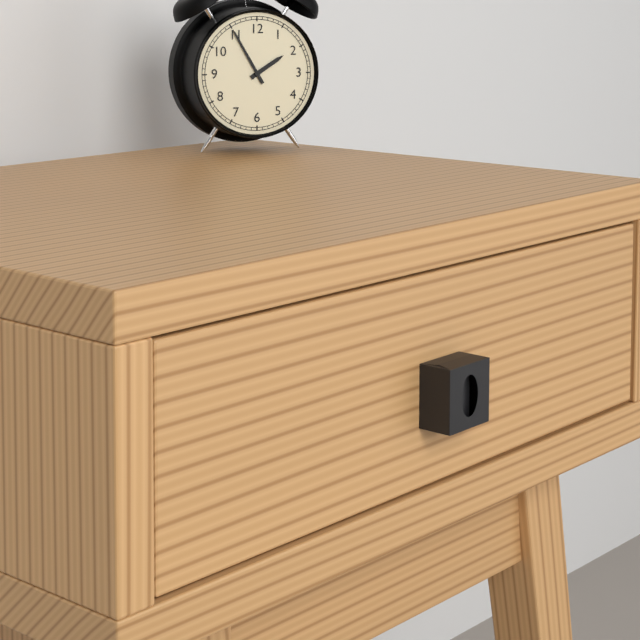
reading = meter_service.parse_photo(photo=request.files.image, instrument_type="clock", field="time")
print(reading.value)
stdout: 1:55
